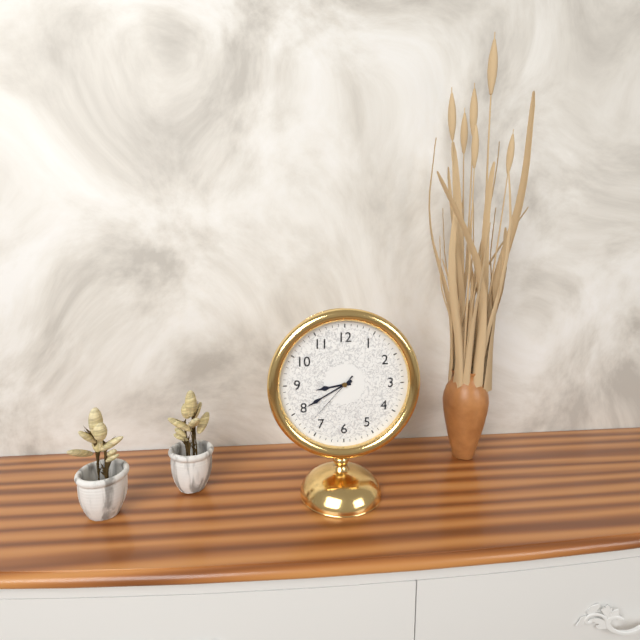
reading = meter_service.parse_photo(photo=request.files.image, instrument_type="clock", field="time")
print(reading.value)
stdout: 8:40:37
